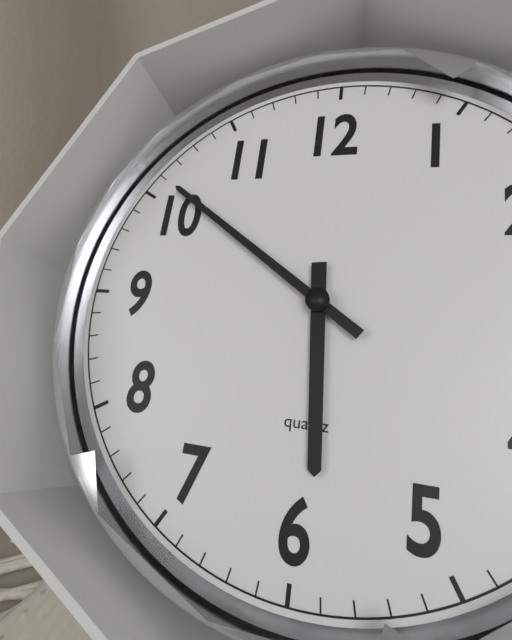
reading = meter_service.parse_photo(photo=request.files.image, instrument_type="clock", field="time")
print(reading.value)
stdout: 5:51
